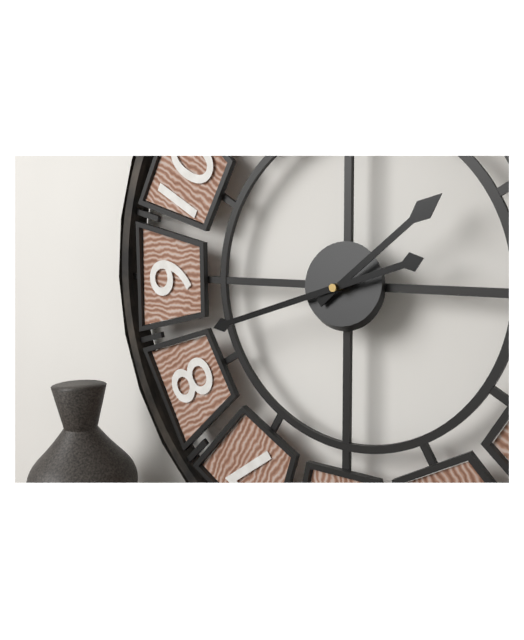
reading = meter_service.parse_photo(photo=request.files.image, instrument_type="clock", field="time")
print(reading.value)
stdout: 1:42
